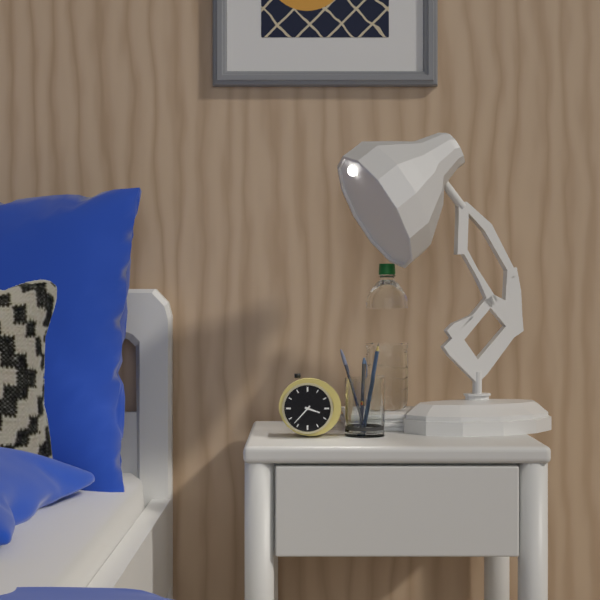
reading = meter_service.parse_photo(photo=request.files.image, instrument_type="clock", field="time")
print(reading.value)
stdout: 3:37
